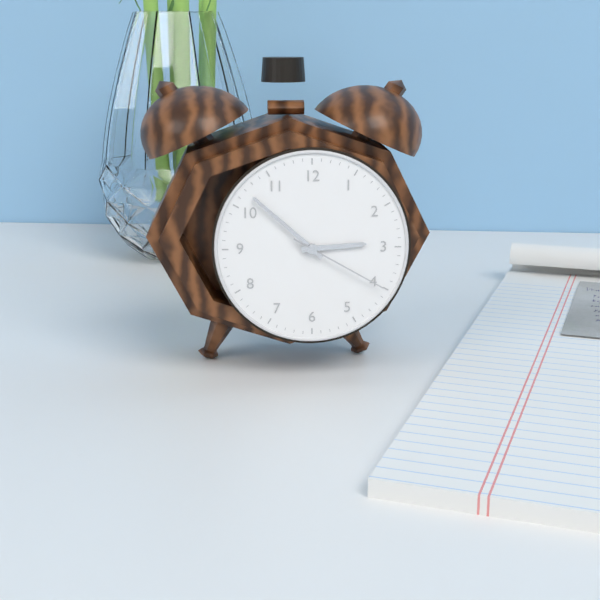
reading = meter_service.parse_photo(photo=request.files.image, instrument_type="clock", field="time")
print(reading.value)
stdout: 2:52:20
